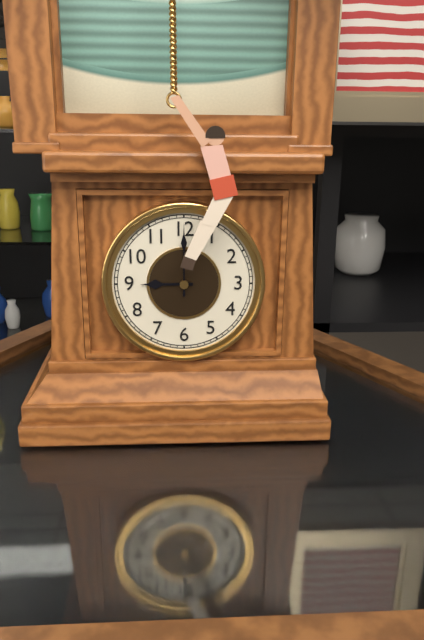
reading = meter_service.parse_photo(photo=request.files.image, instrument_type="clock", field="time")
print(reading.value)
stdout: 9:00
